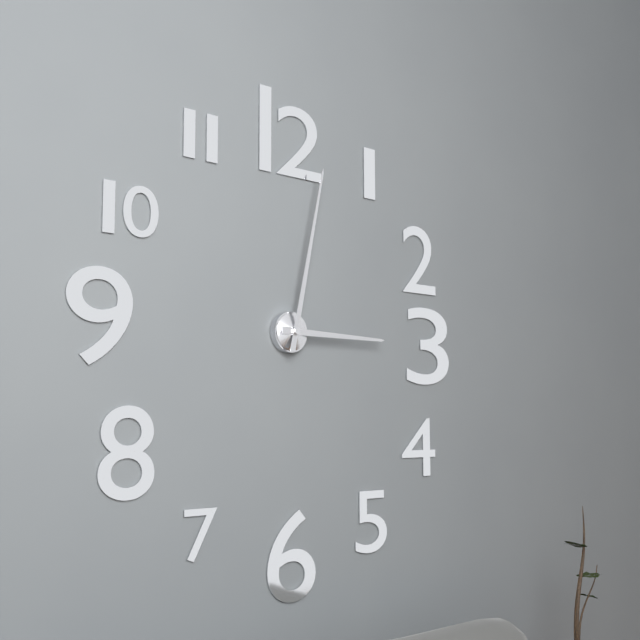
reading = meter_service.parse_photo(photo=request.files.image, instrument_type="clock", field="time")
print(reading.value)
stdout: 3:02
